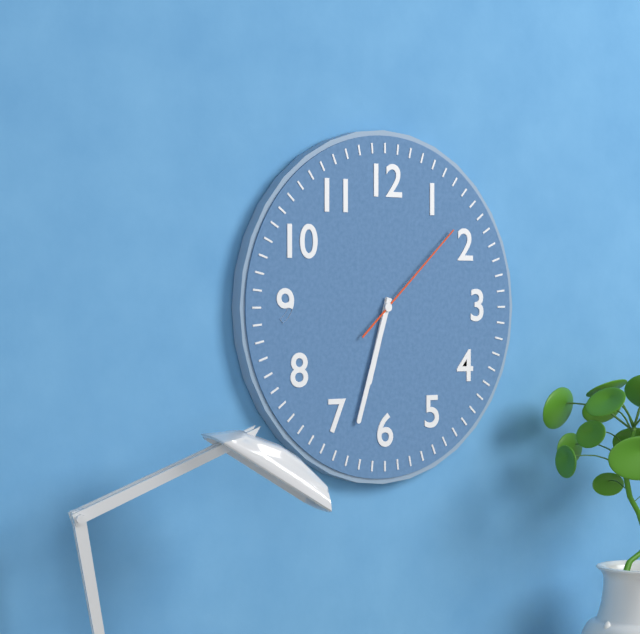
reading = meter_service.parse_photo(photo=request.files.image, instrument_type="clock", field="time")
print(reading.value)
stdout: 6:33:08
